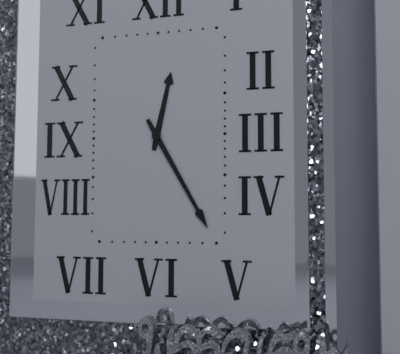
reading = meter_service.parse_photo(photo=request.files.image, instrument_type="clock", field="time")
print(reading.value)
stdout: 12:25
